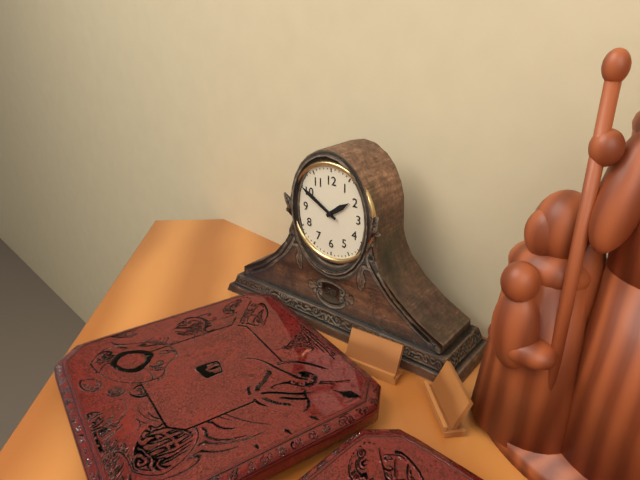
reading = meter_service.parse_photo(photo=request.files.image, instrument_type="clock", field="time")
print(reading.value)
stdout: 1:50
